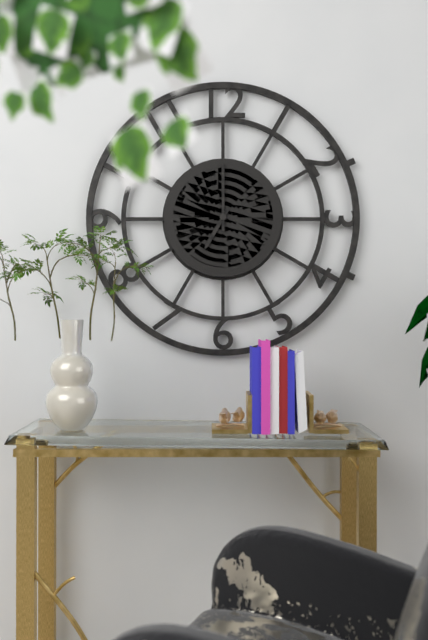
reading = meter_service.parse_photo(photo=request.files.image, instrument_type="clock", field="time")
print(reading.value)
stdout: 7:00
